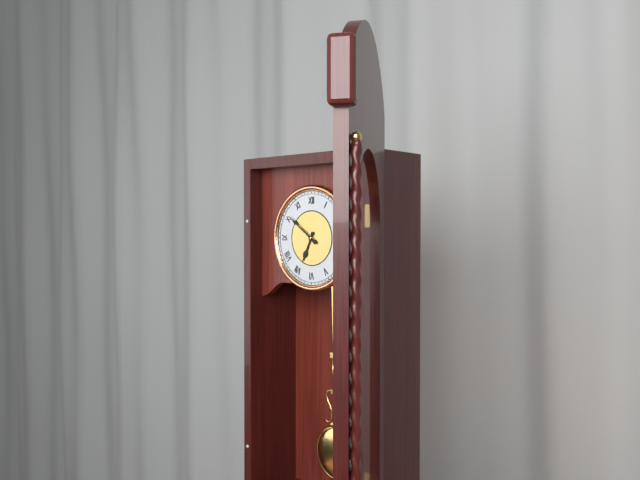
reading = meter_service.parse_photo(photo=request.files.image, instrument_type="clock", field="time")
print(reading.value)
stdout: 6:51
